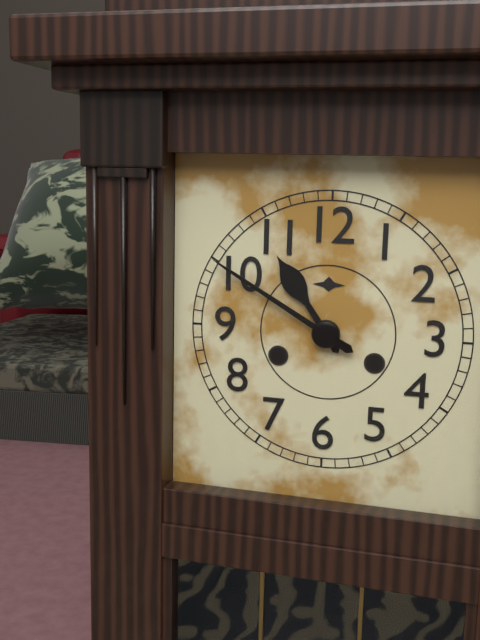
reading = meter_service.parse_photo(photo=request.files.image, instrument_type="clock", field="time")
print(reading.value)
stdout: 10:50
